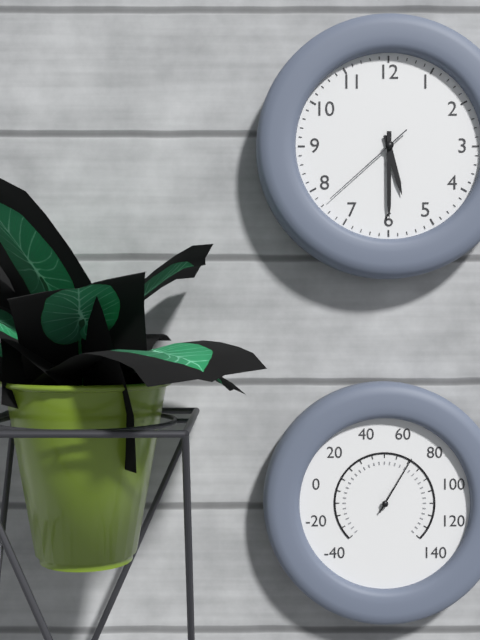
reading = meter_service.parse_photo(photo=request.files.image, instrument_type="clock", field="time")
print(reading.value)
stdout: 5:30:38
